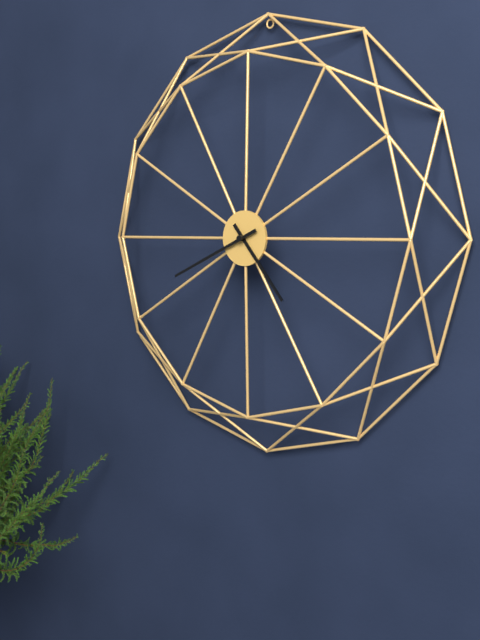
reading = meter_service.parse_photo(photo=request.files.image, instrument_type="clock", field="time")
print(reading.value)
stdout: 4:41
